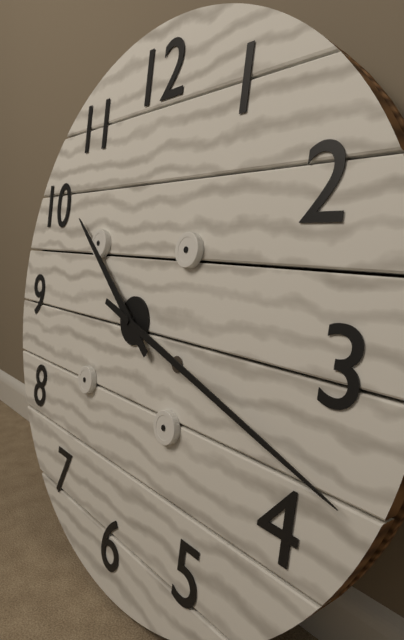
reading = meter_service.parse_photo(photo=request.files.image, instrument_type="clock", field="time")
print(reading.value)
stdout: 10:18
